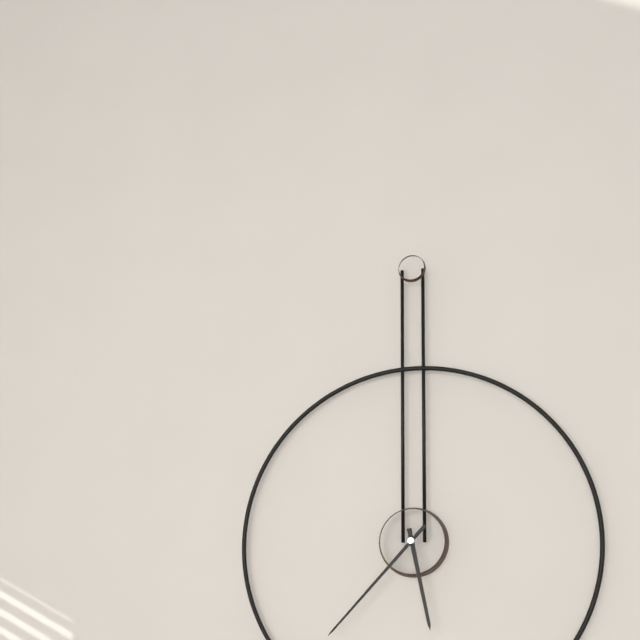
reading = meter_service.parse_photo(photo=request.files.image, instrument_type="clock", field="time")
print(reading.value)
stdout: 5:37
